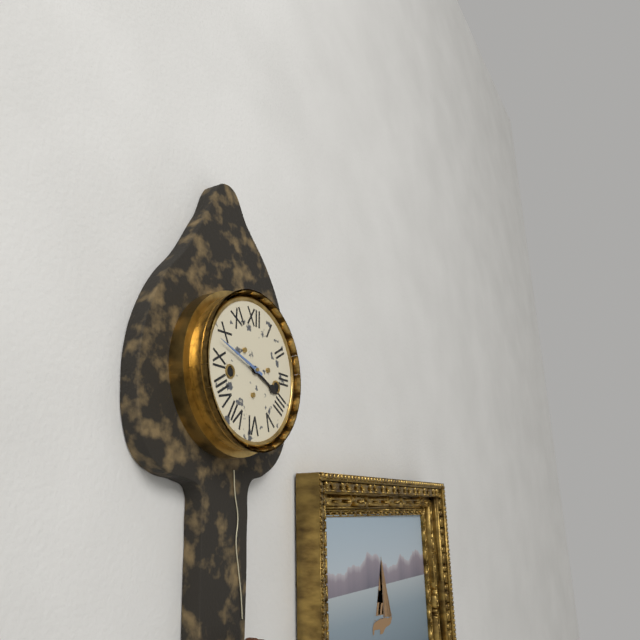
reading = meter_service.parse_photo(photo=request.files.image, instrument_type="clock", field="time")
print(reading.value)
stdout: 3:48
